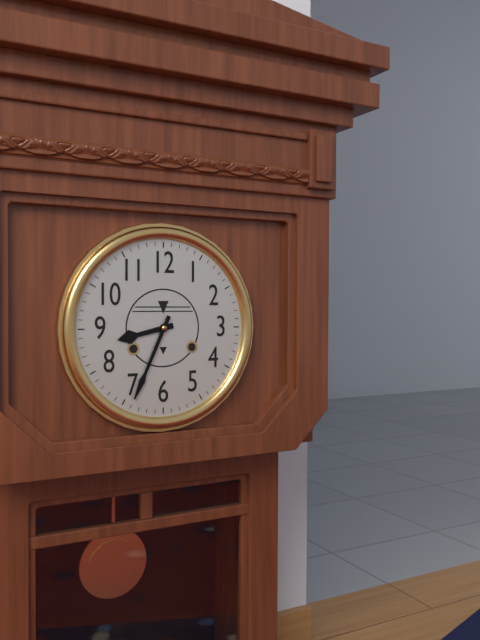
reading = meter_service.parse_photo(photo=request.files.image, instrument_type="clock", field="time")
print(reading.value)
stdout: 8:34
